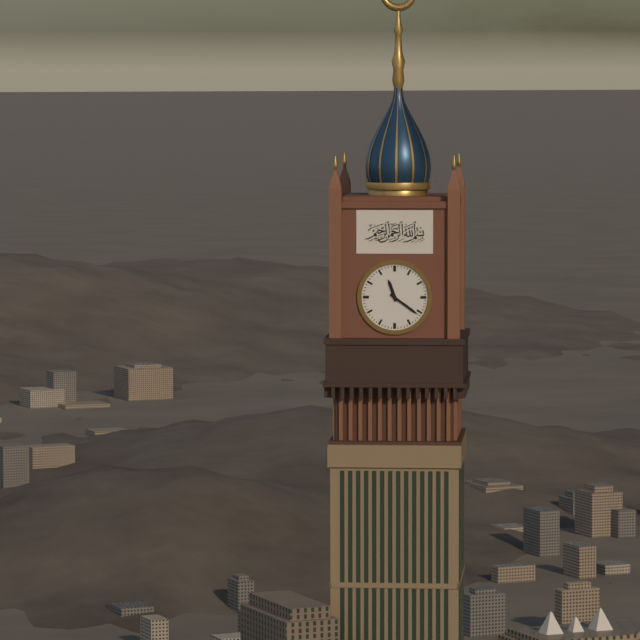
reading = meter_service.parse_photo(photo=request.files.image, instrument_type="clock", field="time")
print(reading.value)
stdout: 11:21
